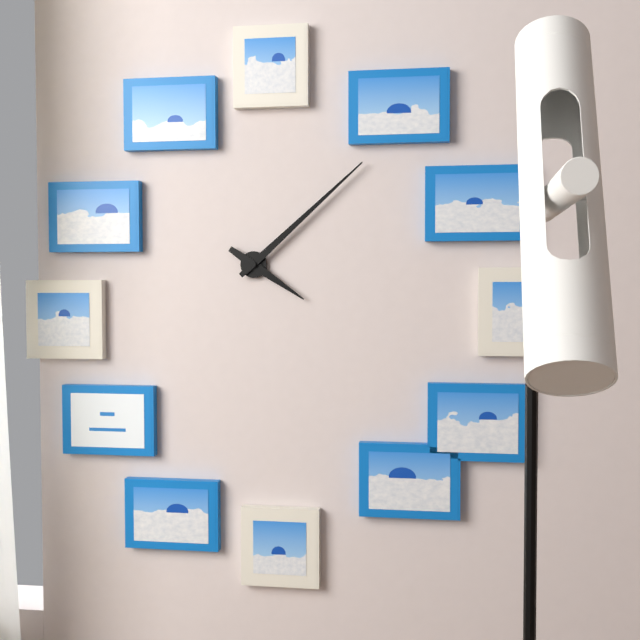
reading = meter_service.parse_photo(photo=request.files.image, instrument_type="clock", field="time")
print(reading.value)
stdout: 4:08
